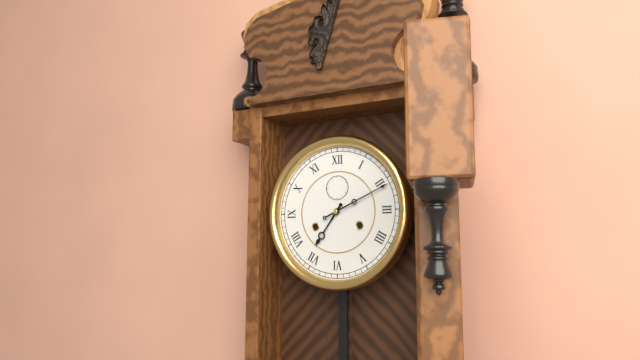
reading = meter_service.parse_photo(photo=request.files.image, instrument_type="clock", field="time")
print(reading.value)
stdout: 7:11
